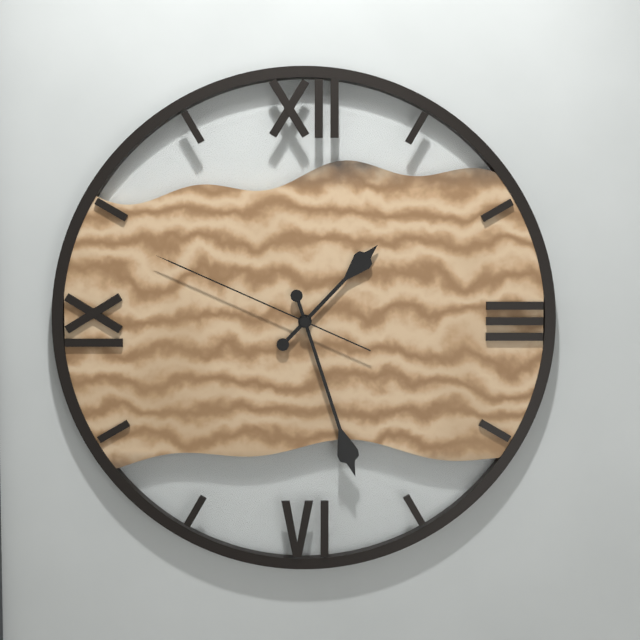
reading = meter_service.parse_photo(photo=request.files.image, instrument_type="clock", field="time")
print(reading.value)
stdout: 1:27:49
